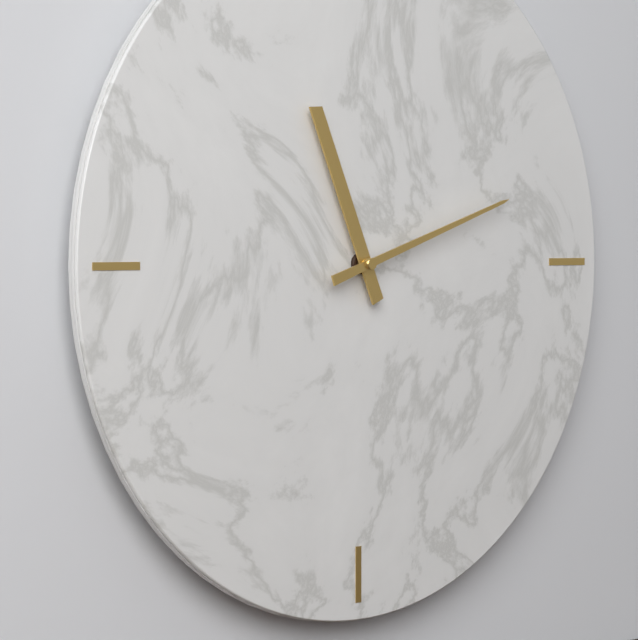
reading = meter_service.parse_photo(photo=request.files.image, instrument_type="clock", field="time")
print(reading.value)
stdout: 11:12
